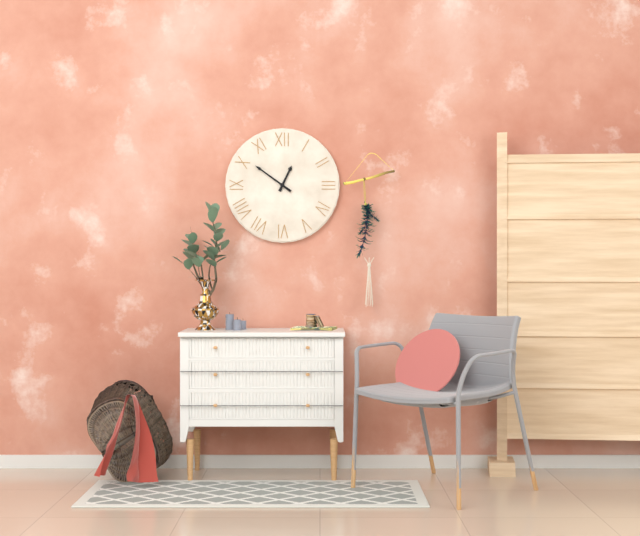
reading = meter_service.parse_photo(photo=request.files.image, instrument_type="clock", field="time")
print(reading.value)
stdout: 12:51
